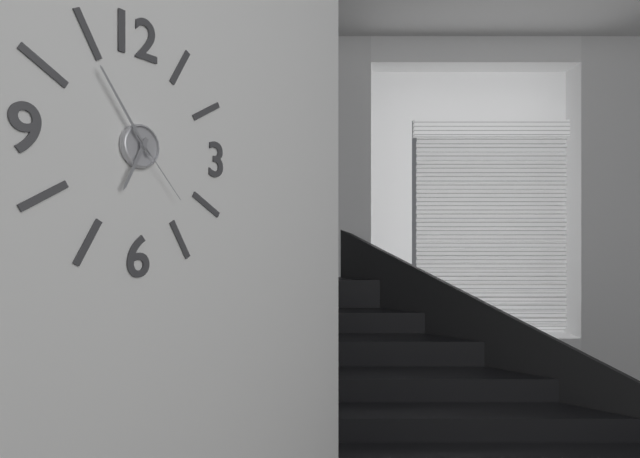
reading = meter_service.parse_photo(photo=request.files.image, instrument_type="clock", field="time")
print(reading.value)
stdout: 6:54:23
